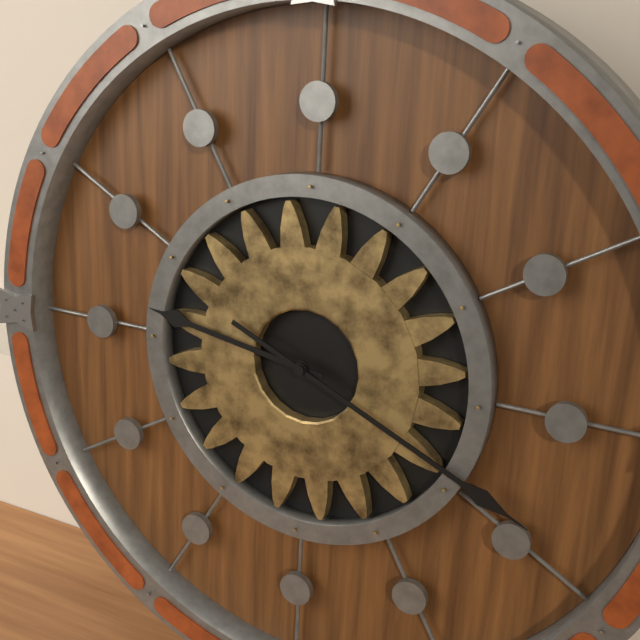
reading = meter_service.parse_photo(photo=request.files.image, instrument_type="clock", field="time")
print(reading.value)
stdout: 9:19
